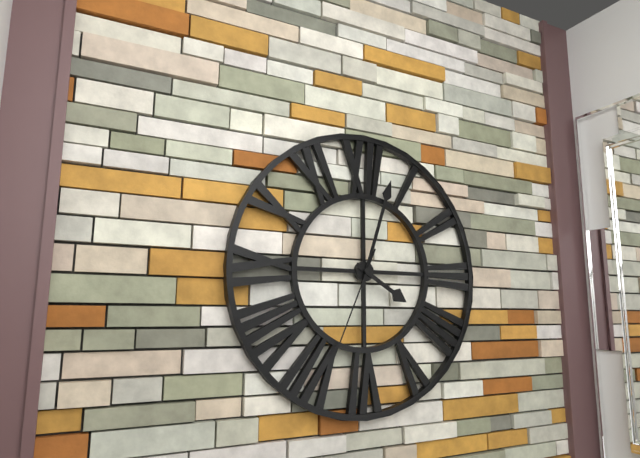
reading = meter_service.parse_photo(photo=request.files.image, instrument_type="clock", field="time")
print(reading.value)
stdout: 4:03:34
